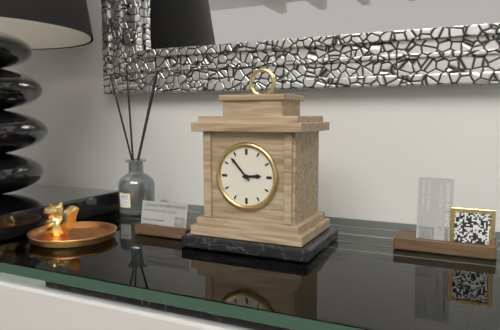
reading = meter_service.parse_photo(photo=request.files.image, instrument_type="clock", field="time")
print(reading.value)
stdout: 2:53
